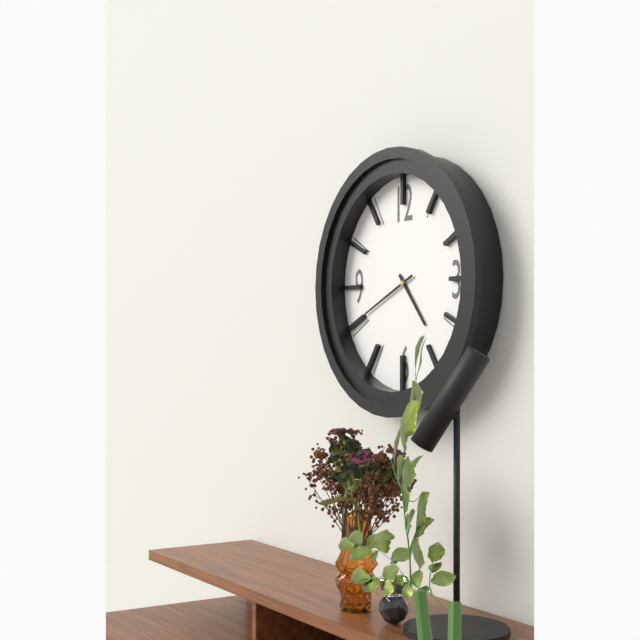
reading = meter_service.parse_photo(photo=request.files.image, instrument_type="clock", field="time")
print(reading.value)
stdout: 4:41
